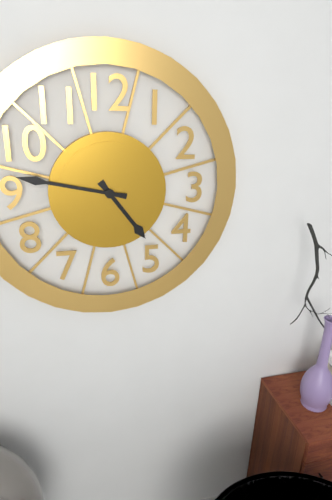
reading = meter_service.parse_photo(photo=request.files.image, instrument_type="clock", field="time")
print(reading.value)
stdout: 4:47
